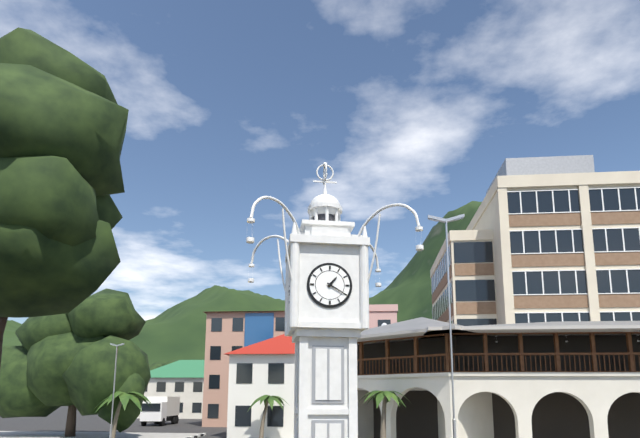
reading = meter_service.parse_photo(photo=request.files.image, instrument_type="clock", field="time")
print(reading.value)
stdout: 1:20
